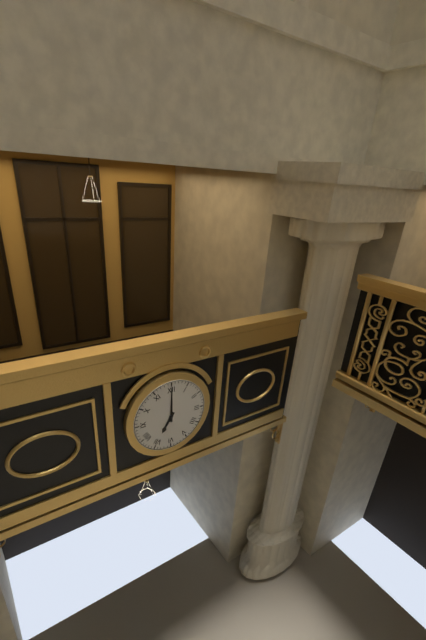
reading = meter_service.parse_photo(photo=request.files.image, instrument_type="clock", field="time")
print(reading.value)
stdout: 7:00
